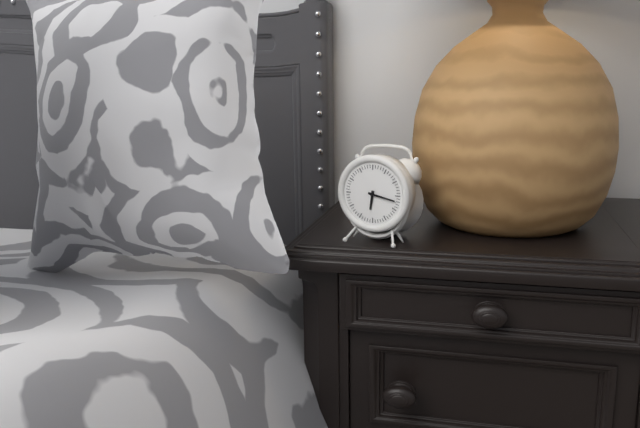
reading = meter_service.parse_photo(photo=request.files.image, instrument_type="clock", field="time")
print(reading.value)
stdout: 6:17
